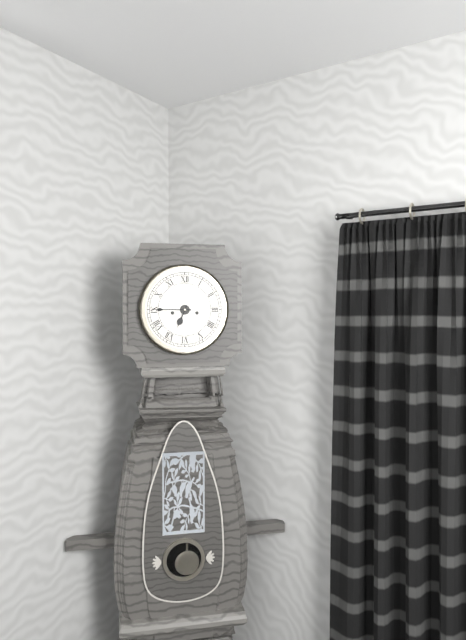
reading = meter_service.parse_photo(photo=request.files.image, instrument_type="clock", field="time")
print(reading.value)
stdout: 6:45
